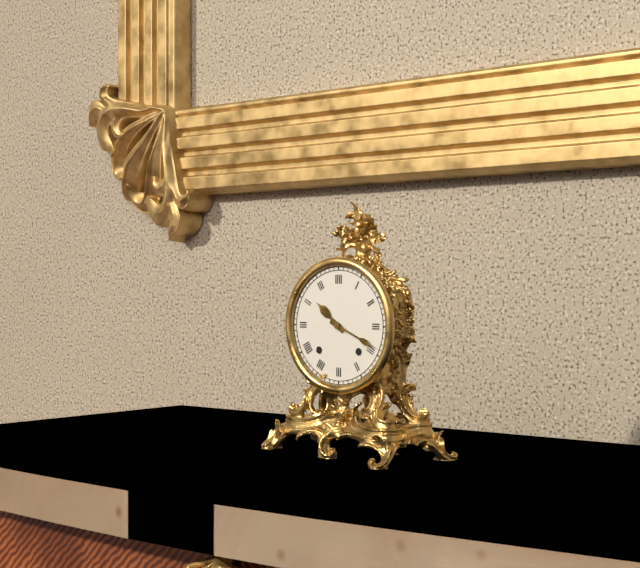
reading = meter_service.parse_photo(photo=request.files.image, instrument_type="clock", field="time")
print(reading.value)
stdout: 10:19
